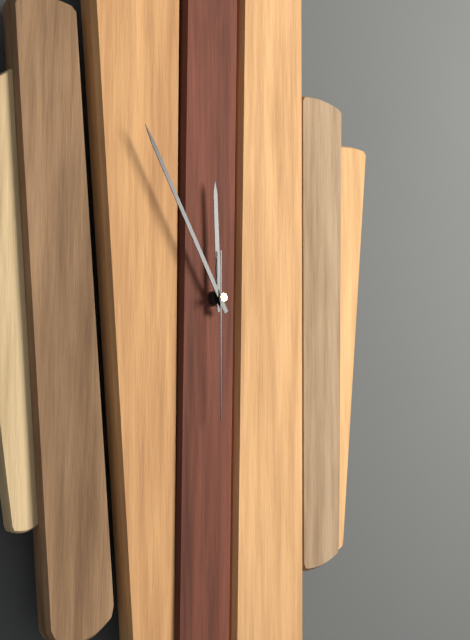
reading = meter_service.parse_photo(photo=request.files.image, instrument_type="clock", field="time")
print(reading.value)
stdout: 11:55:30
